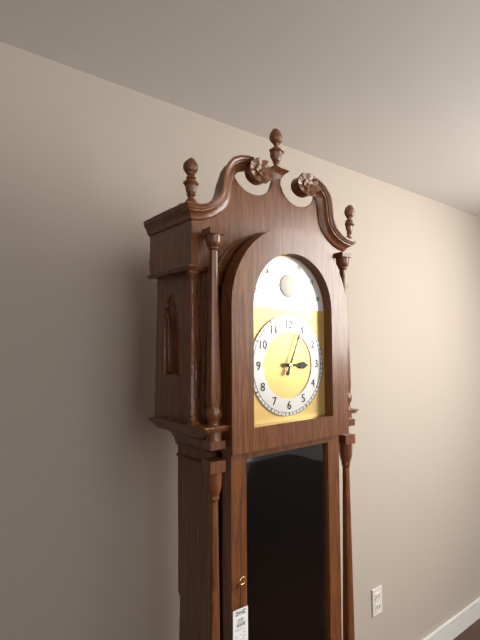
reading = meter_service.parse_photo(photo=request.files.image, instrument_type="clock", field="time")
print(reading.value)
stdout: 3:04
